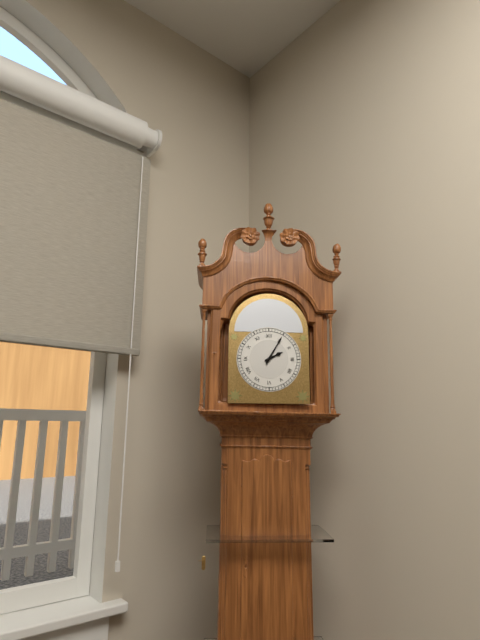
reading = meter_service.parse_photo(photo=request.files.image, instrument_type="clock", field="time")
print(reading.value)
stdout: 2:05
